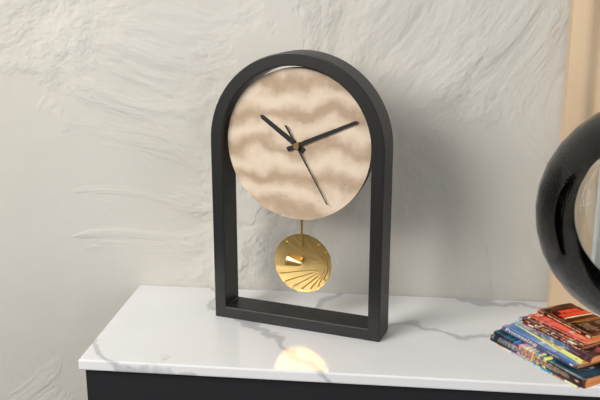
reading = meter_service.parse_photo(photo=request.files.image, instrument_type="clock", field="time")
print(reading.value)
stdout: 10:11:25
